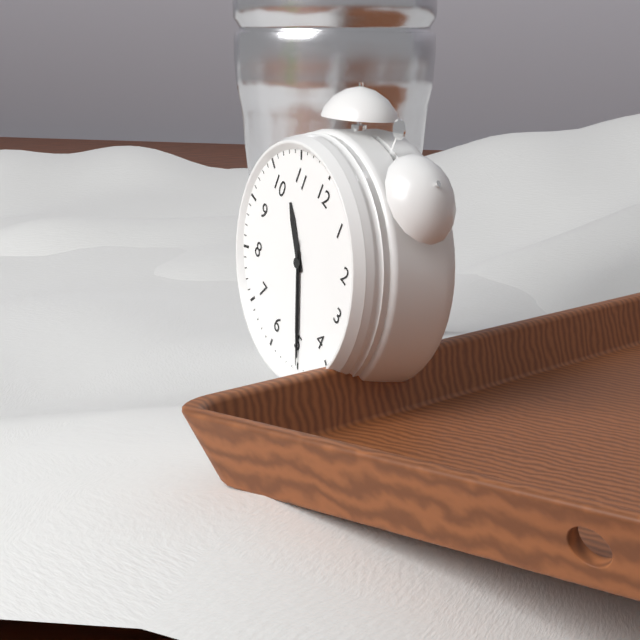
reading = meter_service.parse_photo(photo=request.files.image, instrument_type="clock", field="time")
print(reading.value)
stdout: 10:25:25
